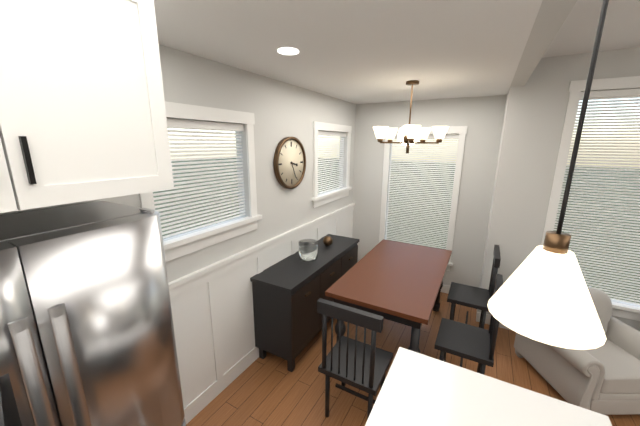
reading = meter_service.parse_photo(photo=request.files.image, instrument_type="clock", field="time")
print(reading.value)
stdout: 3:26
